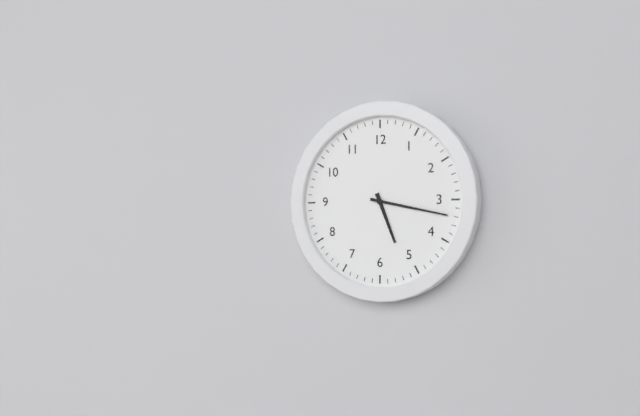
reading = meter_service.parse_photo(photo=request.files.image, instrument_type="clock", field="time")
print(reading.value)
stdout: 5:17
